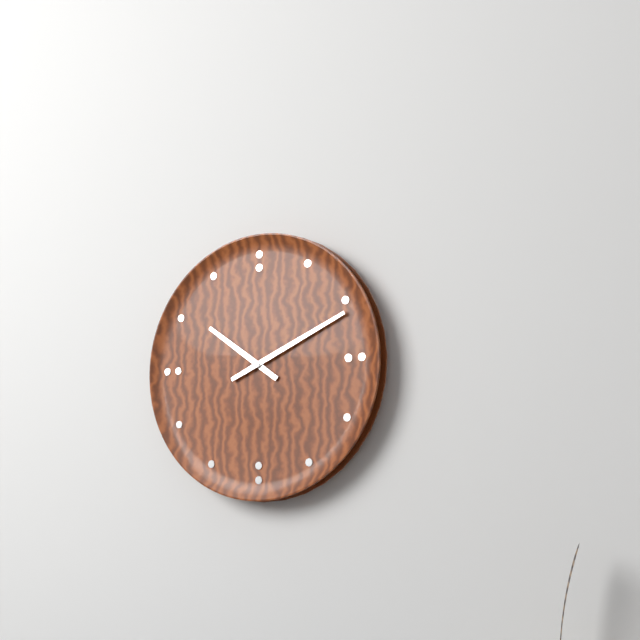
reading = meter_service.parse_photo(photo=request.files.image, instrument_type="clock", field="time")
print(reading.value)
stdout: 10:11
